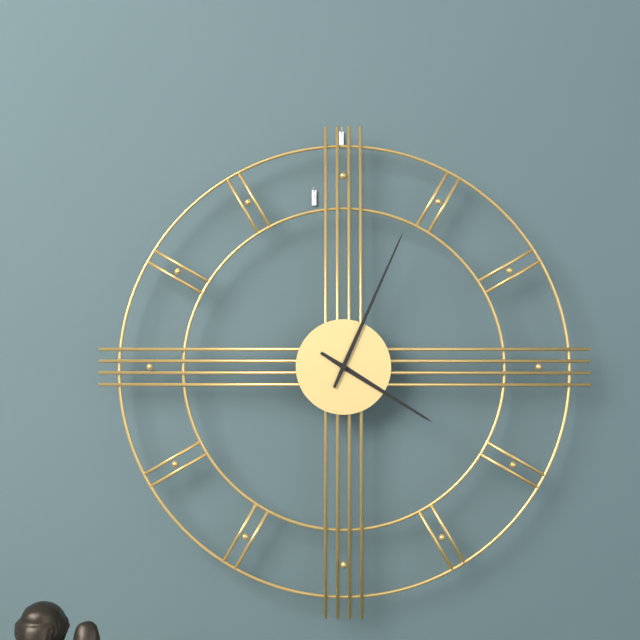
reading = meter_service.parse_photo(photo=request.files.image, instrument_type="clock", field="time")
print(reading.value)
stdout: 4:04
